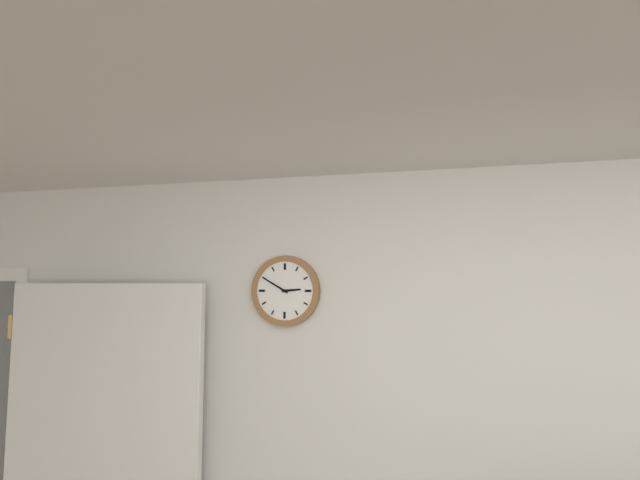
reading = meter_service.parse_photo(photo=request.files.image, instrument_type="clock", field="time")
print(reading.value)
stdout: 2:50
